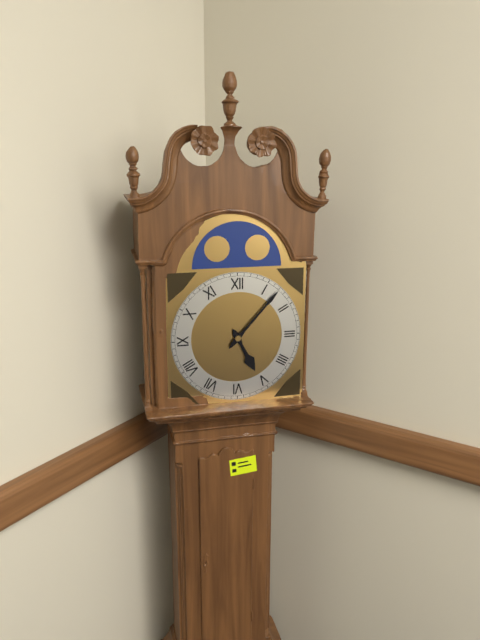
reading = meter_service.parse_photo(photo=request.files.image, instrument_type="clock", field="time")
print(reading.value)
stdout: 5:07
